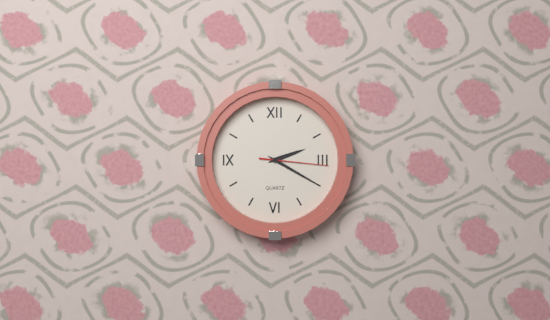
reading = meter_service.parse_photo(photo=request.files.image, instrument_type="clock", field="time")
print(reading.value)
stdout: 2:20:16
